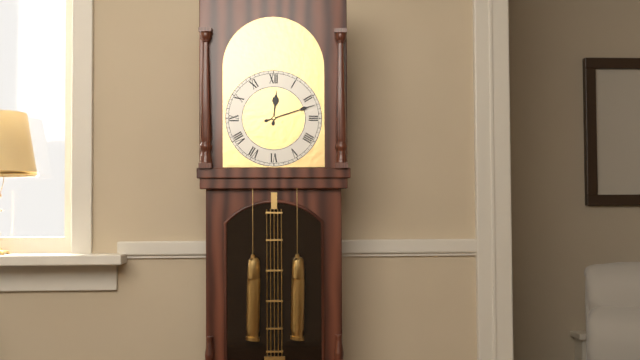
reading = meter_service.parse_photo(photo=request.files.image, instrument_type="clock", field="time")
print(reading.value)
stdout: 12:12
